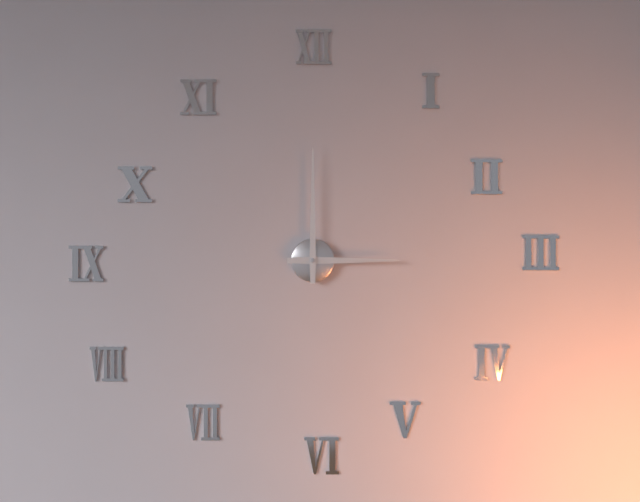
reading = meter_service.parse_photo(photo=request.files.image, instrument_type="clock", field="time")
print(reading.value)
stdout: 3:00
